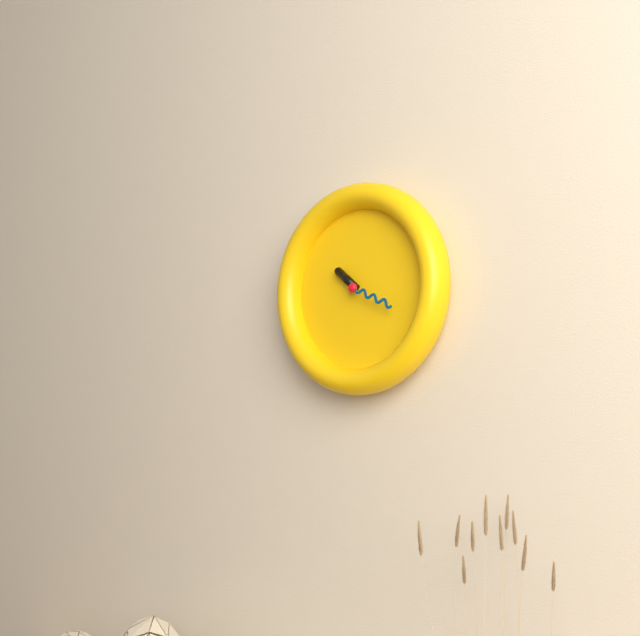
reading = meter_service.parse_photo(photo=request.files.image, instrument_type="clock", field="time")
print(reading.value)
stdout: 10:19
